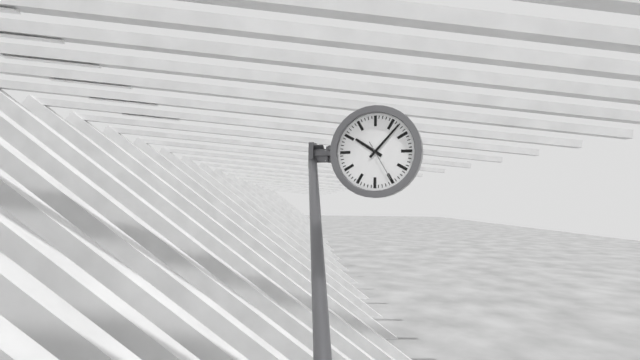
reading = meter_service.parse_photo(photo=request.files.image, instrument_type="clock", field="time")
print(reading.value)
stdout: 10:07
